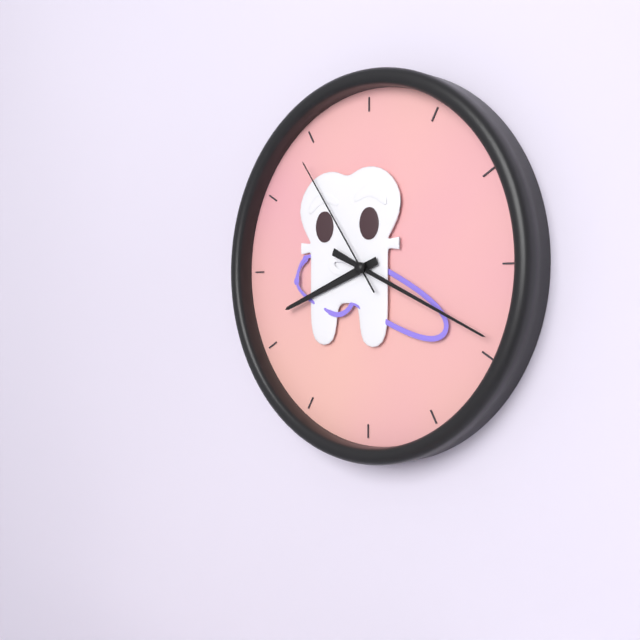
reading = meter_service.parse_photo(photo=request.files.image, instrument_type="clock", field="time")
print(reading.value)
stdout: 8:19:54
